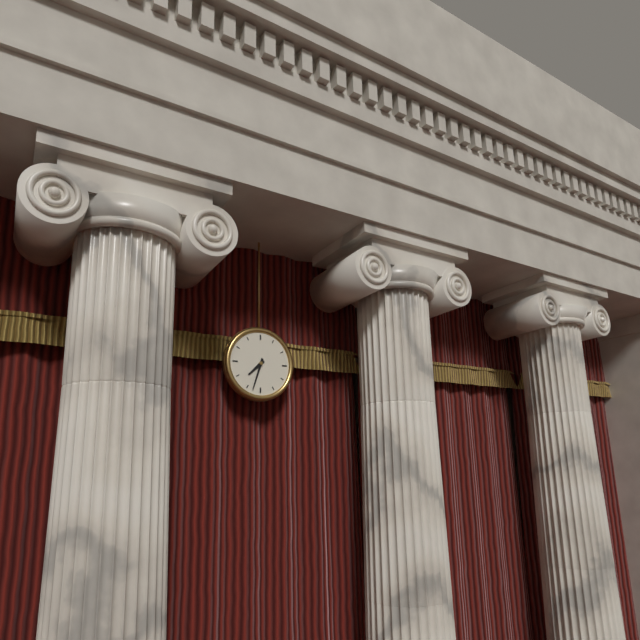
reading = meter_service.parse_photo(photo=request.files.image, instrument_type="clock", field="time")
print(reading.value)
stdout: 7:33
